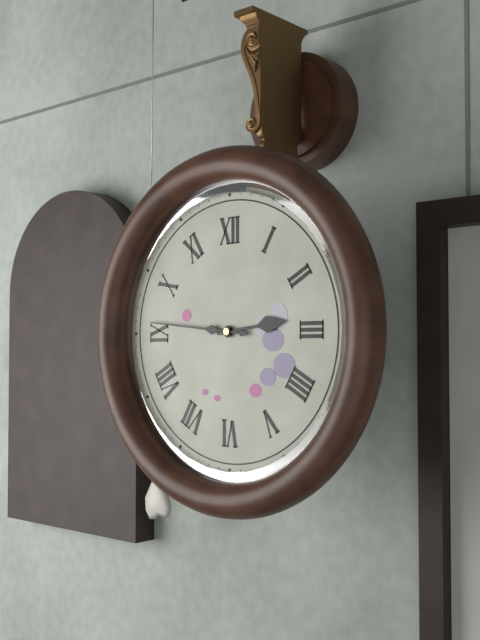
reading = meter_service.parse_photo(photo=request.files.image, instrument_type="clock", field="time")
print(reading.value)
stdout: 2:46
